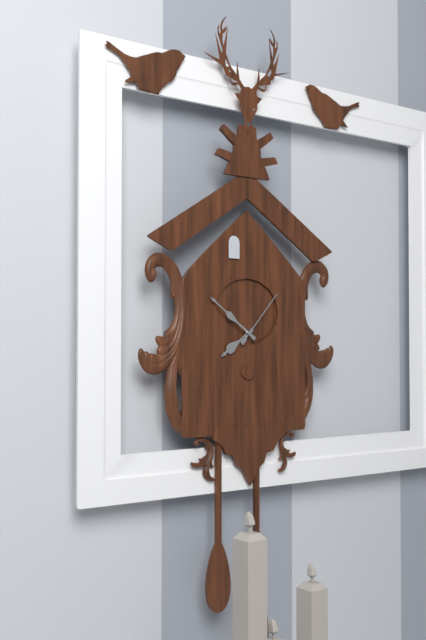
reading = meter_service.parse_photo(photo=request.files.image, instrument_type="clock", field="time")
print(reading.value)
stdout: 7:51:07
